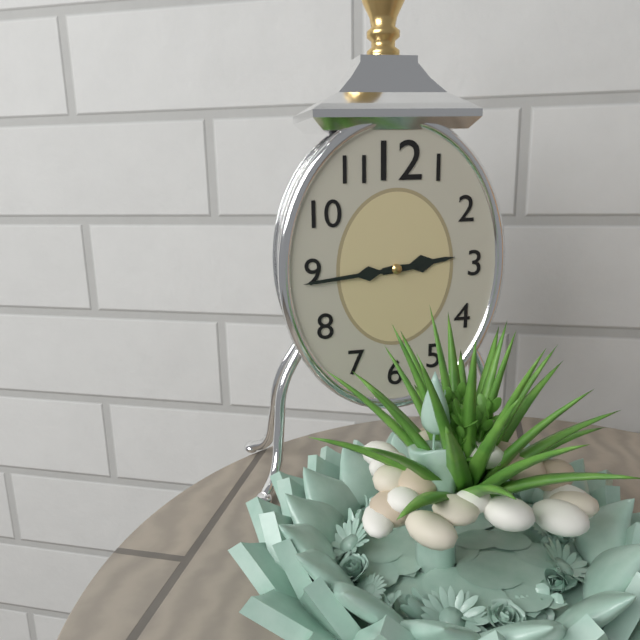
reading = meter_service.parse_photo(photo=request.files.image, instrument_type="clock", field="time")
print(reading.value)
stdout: 2:44
